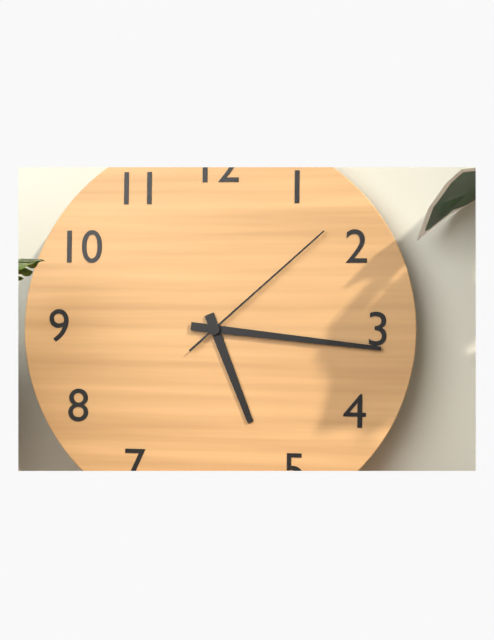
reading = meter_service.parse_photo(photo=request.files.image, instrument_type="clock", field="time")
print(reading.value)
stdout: 5:16:08
